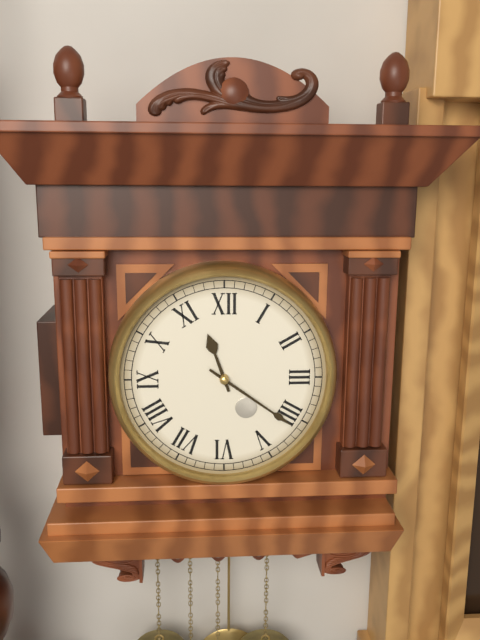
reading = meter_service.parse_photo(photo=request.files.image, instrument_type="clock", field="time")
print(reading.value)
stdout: 11:21
